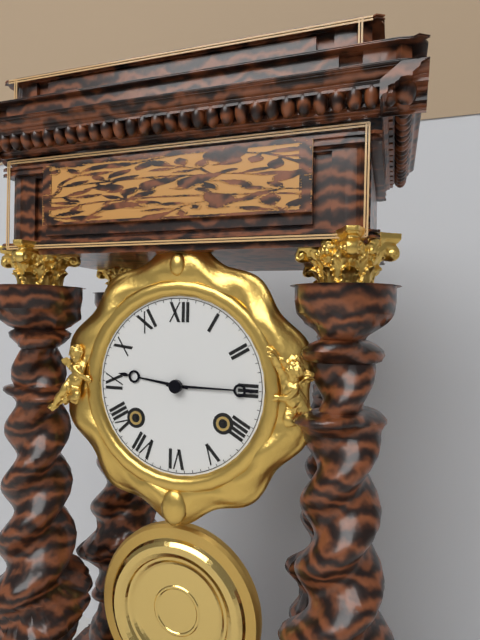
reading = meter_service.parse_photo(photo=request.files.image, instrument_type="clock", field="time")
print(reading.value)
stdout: 9:15
